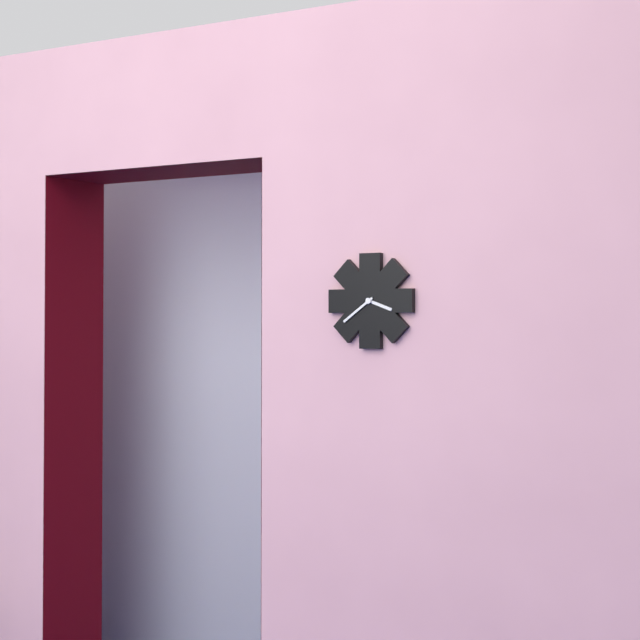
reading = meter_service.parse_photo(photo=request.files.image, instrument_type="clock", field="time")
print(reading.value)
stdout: 3:39
